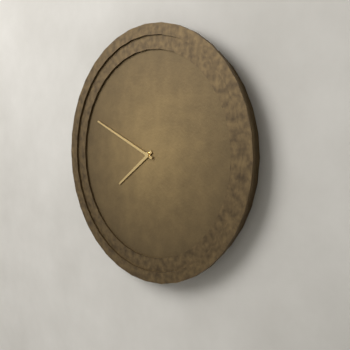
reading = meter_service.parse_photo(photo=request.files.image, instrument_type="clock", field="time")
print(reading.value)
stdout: 7:49
